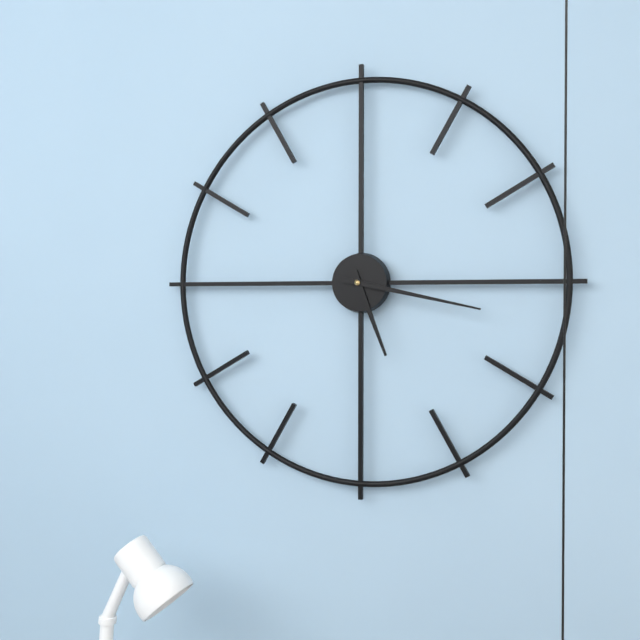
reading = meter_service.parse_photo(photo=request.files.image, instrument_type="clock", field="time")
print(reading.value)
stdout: 5:17
